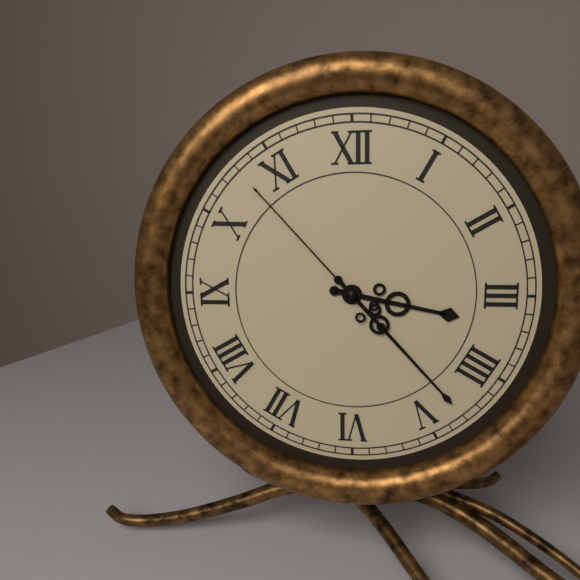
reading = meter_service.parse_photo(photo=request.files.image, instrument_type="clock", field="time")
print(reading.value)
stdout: 3:23:53
